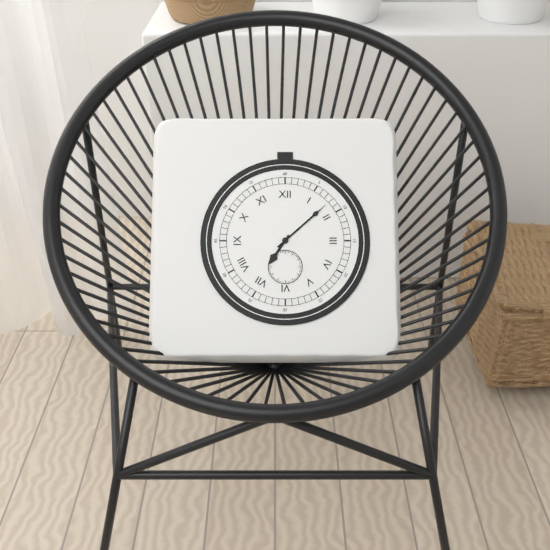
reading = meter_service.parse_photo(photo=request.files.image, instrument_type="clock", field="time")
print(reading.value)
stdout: 7:08
